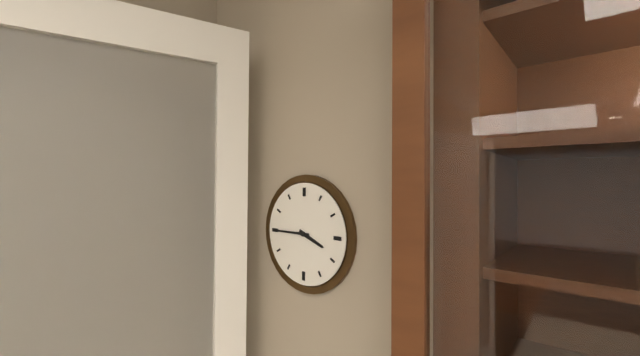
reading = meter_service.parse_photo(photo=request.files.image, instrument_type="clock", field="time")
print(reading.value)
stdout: 3:45
